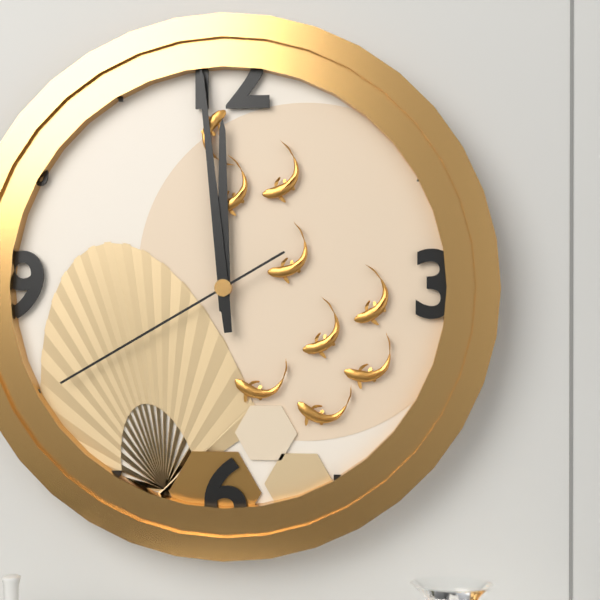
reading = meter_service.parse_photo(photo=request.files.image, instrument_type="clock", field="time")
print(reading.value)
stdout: 11:59:40
